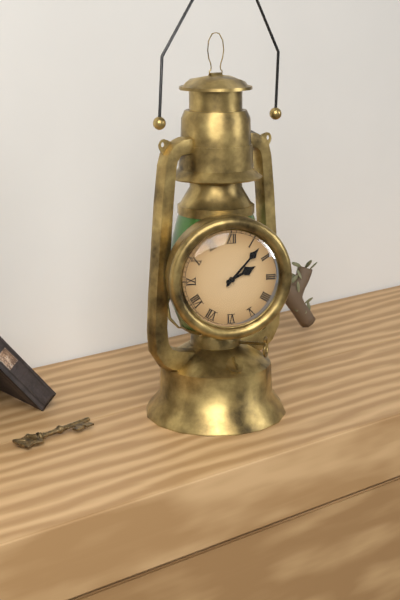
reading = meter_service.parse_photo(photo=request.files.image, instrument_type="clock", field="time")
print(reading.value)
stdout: 2:07
